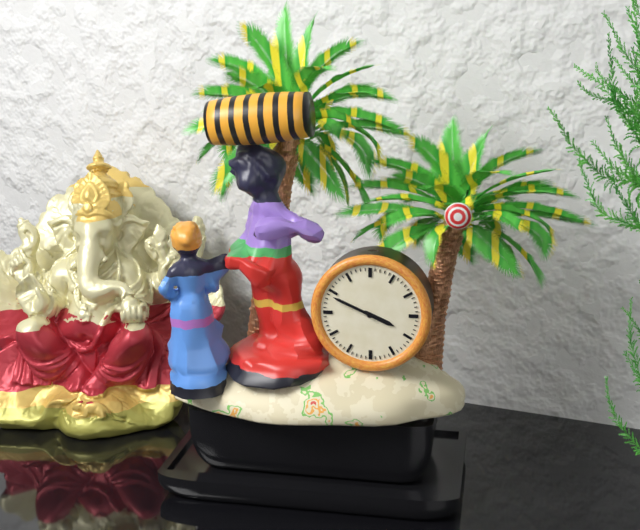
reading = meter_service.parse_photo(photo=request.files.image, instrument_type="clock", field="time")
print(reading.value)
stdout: 3:49
